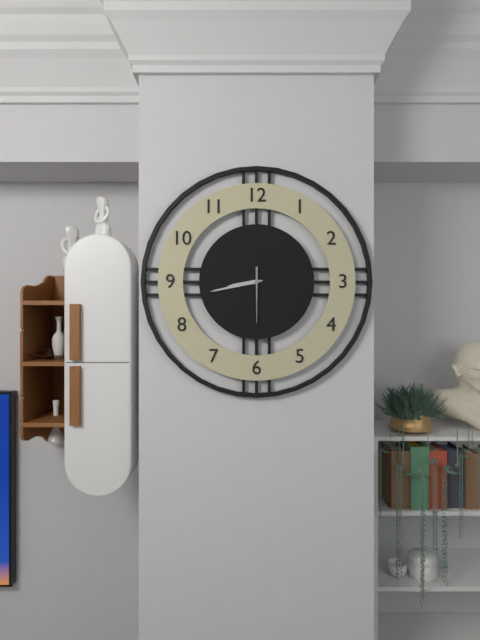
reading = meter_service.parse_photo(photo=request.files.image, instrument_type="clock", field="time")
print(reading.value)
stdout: 8:43:30
